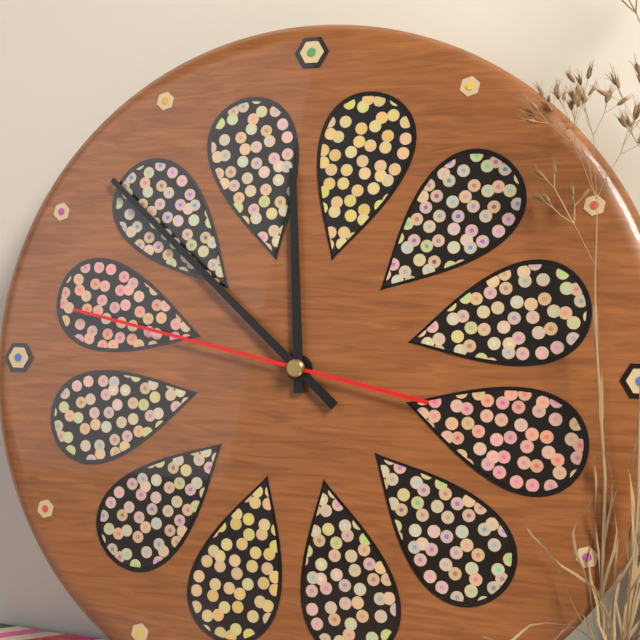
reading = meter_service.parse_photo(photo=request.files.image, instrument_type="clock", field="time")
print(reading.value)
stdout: 11:52:47
